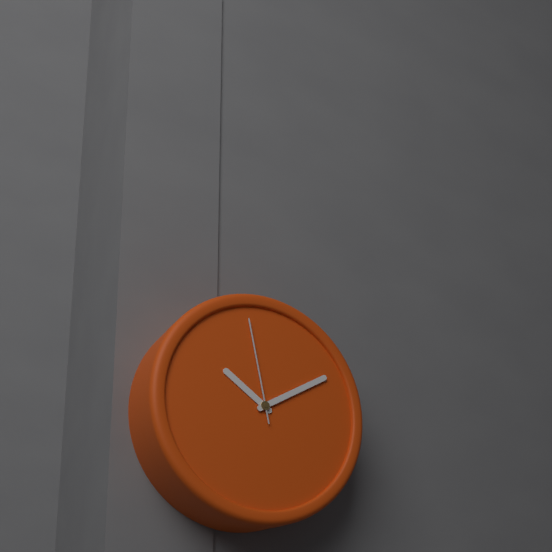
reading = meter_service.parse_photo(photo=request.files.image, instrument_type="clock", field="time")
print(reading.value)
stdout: 10:10:58
